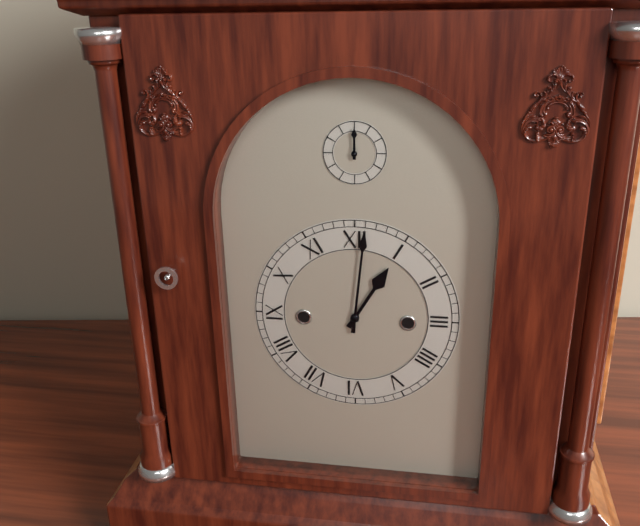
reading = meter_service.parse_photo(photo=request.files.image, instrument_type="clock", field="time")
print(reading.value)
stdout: 1:01
